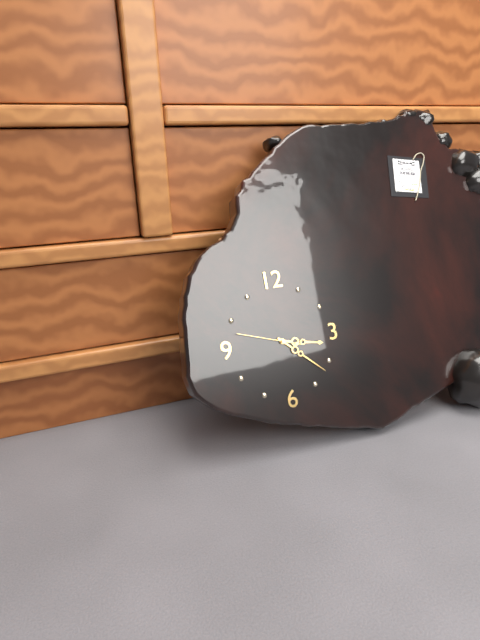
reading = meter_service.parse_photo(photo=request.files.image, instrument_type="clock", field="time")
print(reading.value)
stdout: 3:22:48
